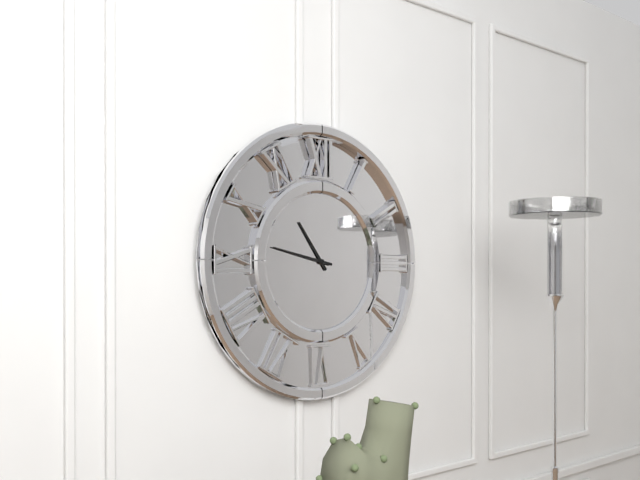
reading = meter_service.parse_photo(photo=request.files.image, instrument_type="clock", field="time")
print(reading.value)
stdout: 10:47
